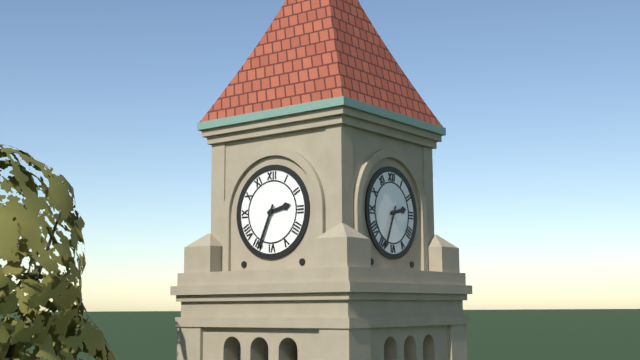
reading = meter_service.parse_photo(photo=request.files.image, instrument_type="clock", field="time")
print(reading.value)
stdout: 2:34
